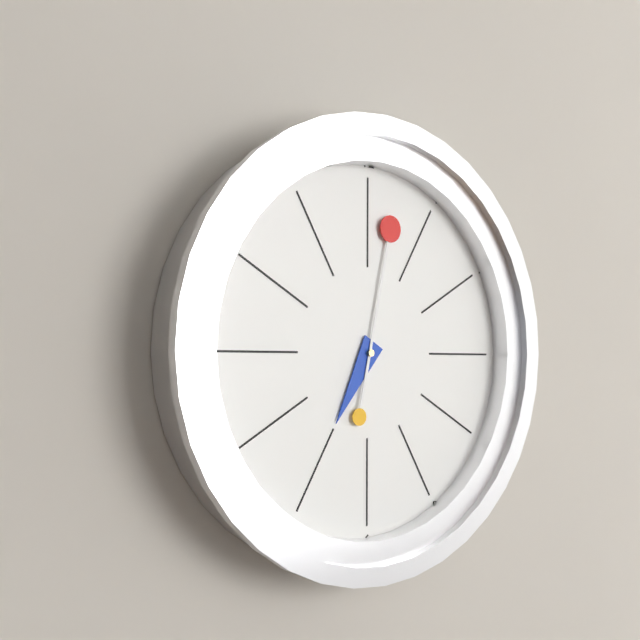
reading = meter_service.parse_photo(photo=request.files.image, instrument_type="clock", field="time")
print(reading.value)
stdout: 7:02
